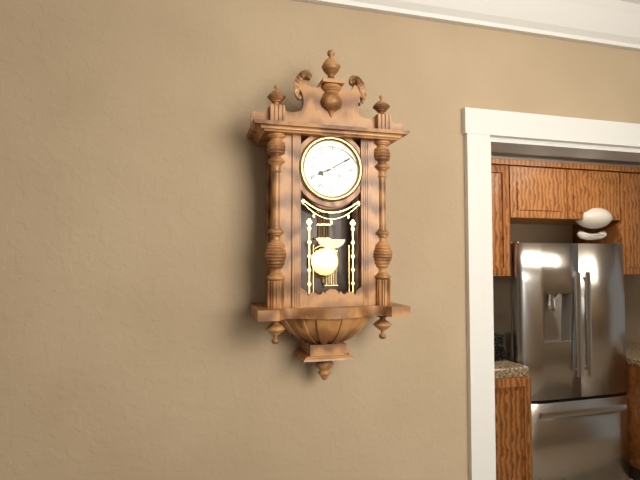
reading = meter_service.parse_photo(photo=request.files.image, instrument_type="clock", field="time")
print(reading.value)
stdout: 8:10
